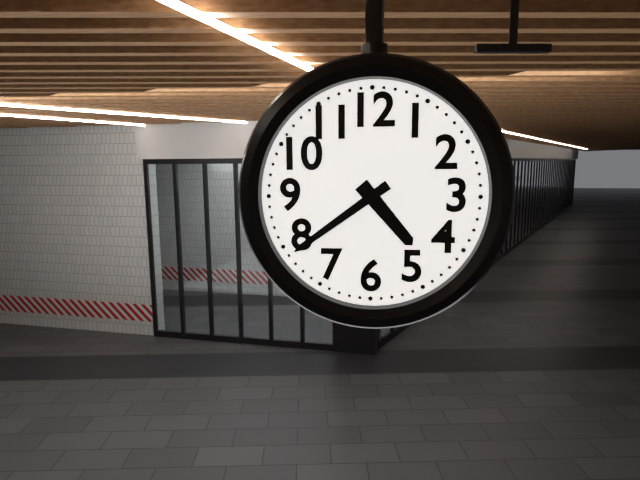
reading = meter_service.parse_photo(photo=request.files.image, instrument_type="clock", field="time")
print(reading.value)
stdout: 4:39
